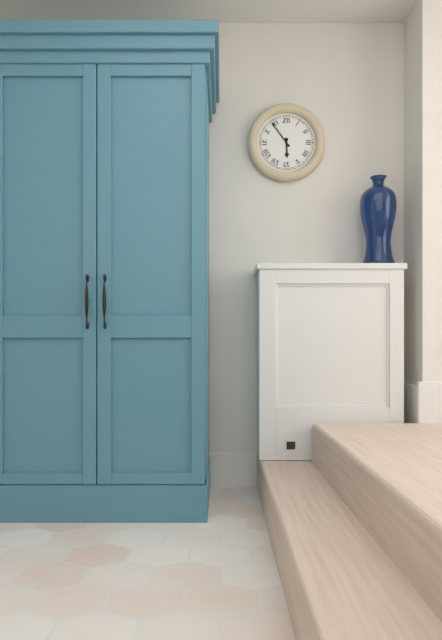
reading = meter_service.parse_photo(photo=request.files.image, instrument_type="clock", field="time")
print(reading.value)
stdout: 5:54
